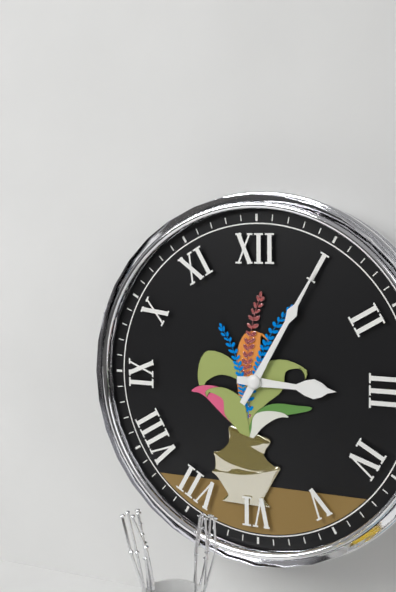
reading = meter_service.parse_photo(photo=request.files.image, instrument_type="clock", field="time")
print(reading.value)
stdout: 3:05
